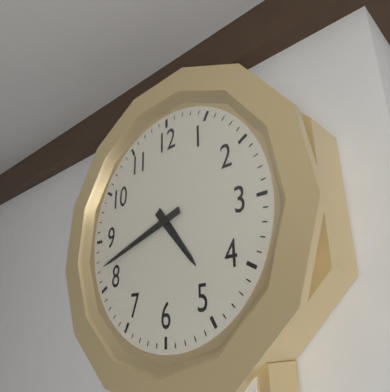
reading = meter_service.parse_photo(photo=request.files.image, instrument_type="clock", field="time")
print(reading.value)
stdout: 4:42
